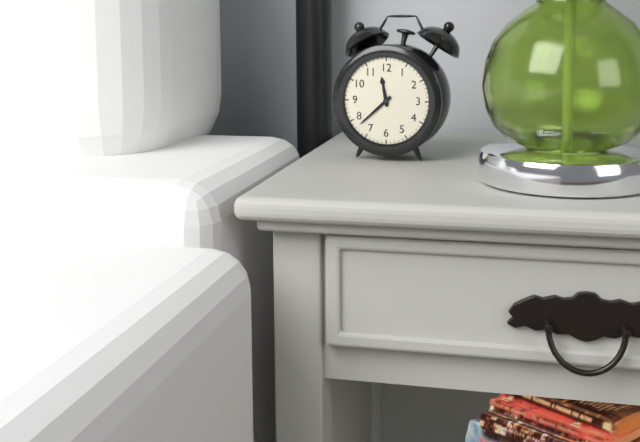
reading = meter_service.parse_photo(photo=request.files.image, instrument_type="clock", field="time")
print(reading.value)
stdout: 11:38
